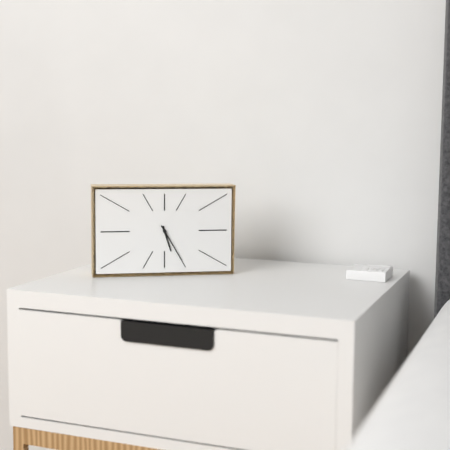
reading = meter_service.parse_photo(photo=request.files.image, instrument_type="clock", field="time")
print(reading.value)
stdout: 5:25
